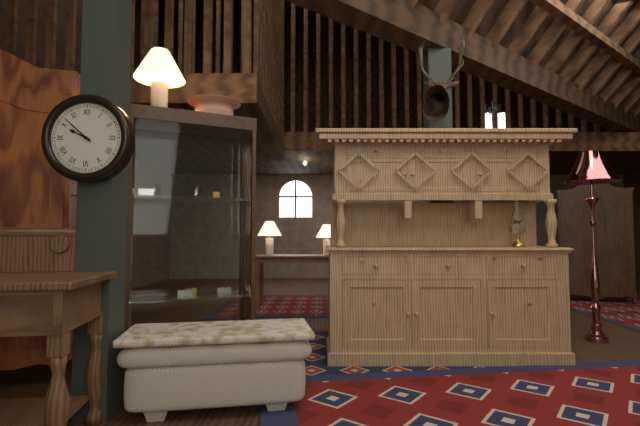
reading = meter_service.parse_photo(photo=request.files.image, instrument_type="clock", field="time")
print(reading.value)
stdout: 9:52
